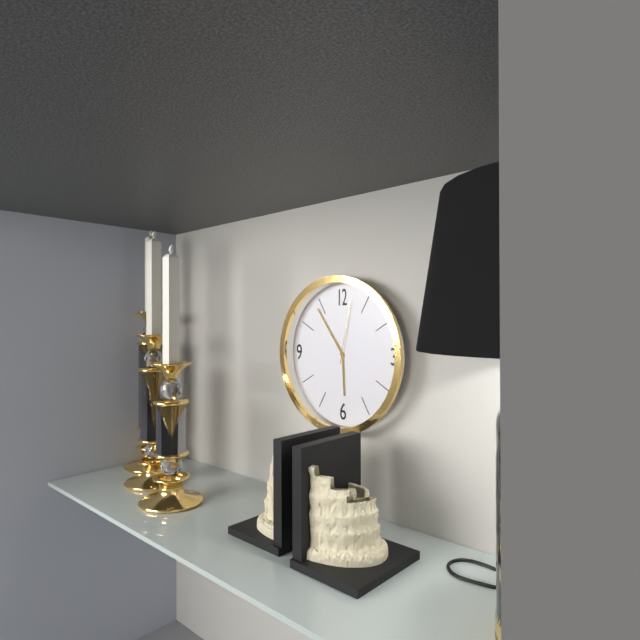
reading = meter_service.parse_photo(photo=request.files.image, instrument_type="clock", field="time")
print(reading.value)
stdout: 5:54:02
